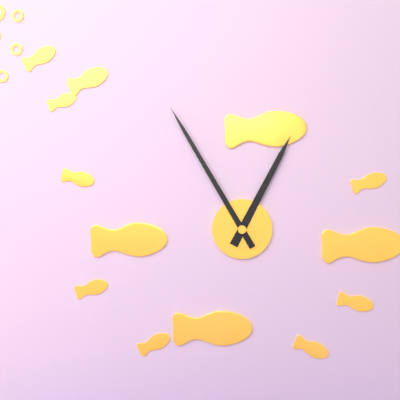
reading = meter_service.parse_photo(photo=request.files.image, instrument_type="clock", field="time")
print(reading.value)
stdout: 12:55
